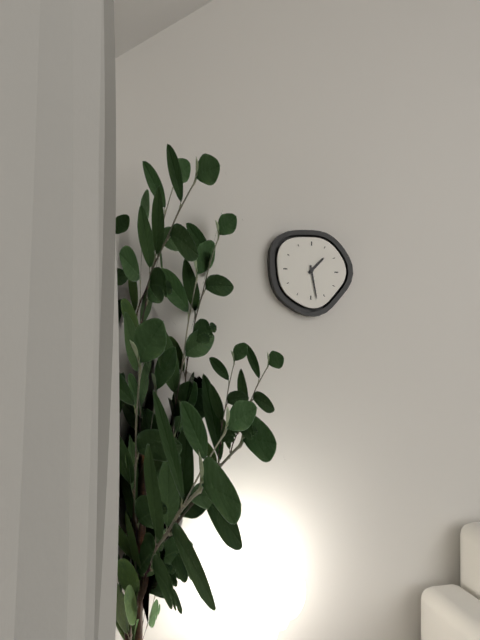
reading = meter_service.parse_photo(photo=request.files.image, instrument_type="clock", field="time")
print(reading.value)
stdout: 1:28
